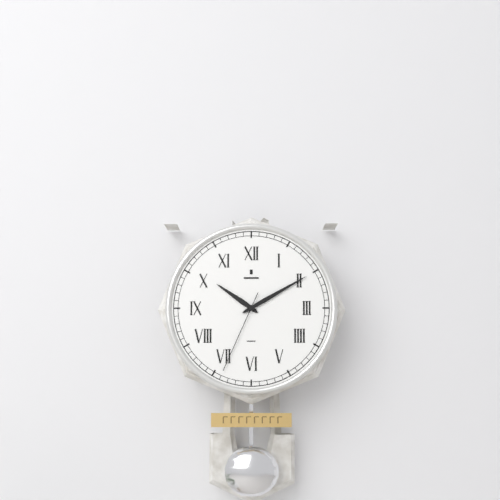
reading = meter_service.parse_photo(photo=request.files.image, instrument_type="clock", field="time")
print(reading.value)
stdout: 10:10:34
